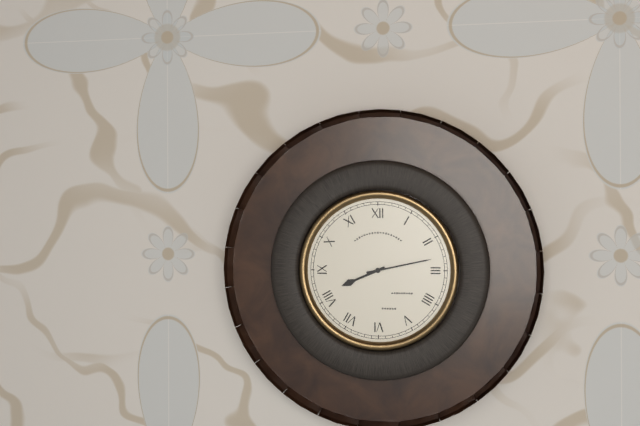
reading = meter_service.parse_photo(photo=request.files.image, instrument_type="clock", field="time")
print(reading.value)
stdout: 8:13
